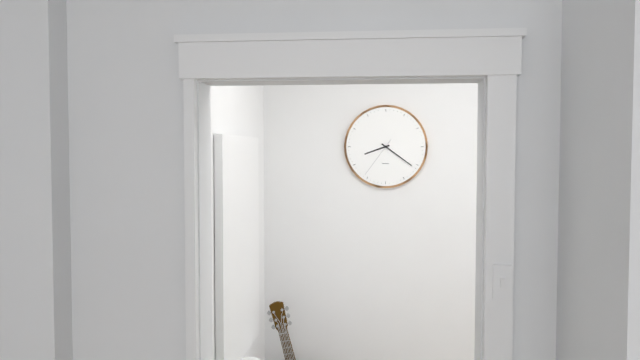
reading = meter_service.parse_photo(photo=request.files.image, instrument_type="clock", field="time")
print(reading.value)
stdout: 8:21
